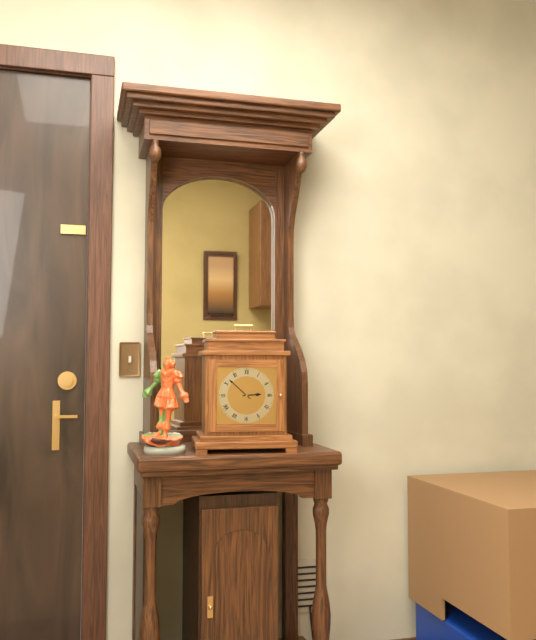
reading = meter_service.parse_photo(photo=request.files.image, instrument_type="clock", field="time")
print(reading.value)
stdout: 2:52
